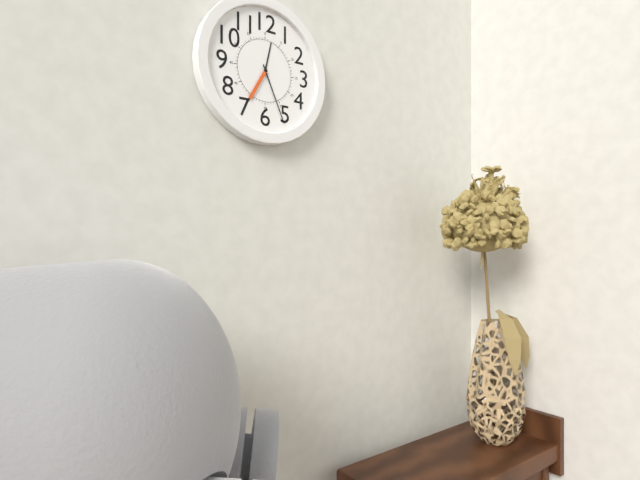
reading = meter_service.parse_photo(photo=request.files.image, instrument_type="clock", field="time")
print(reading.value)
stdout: 12:26
